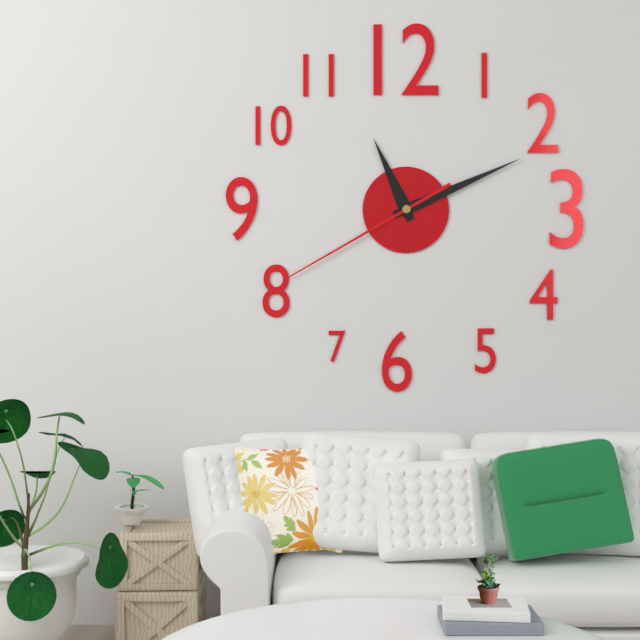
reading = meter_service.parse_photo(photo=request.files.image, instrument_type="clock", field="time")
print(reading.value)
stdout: 11:11:40
